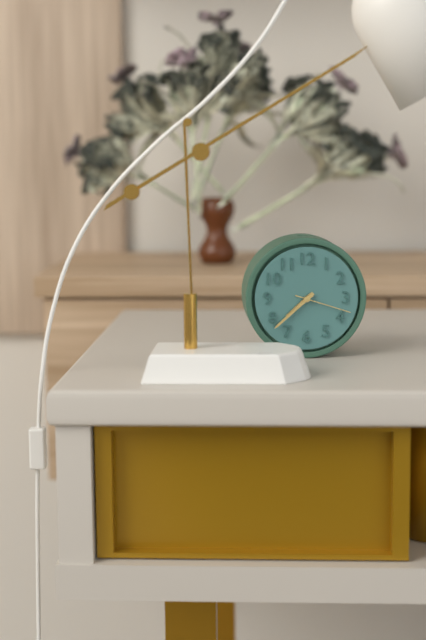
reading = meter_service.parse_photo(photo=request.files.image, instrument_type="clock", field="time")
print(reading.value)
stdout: 7:38:18
